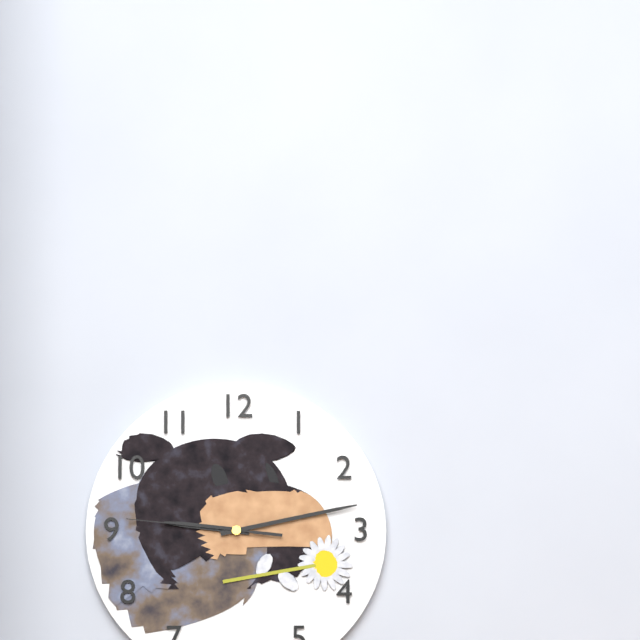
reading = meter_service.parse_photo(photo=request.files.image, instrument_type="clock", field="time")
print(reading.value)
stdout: 9:13:46
